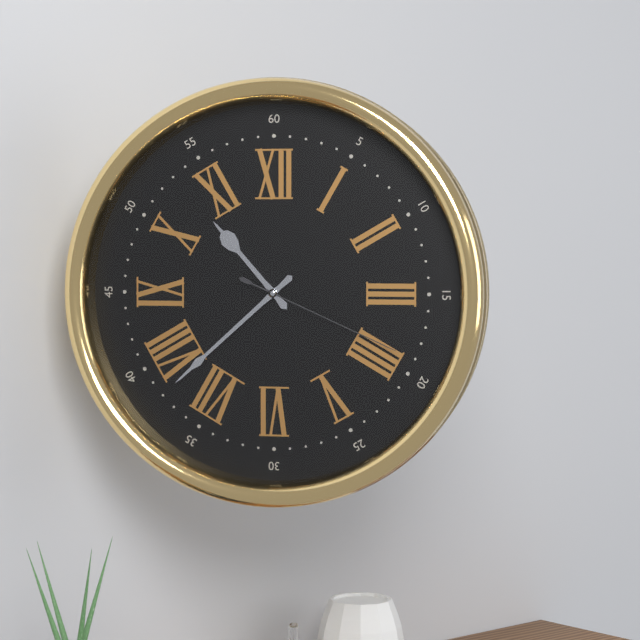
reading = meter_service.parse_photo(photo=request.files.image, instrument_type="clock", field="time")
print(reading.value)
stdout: 10:38:19
